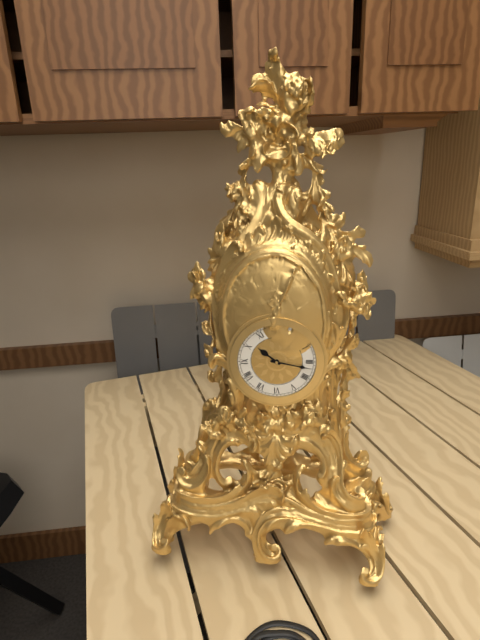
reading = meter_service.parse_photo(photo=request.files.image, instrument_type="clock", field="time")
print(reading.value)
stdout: 10:17
